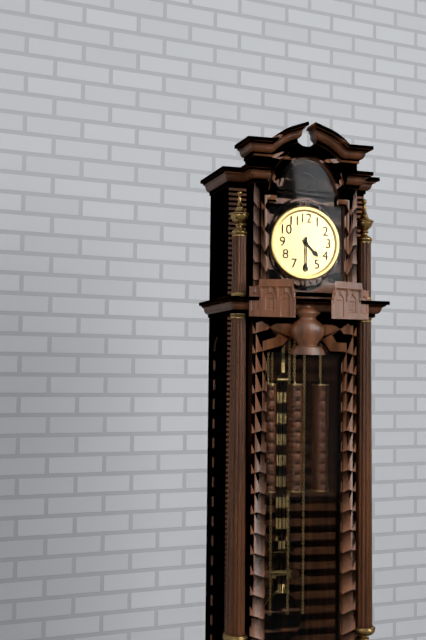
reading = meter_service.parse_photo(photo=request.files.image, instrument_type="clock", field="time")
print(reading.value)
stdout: 4:30
